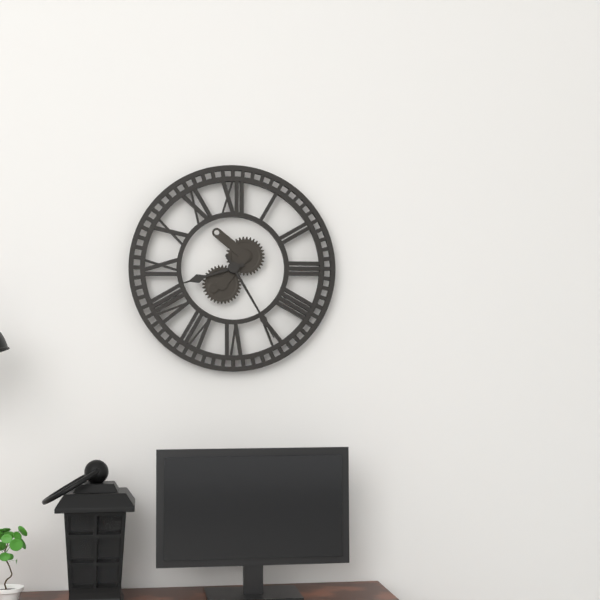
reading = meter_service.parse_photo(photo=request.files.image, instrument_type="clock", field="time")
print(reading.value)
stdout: 8:25
